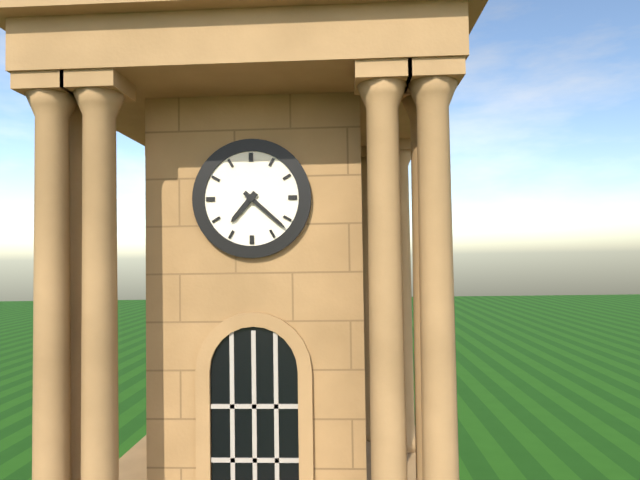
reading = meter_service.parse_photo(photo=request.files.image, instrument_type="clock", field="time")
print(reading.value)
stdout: 7:22
